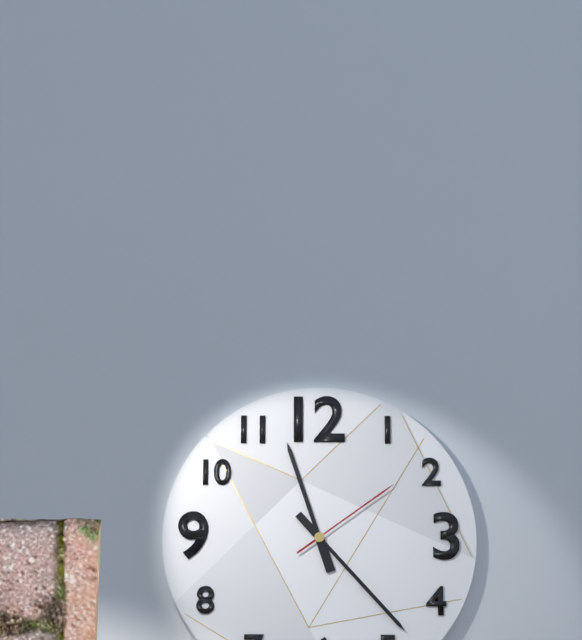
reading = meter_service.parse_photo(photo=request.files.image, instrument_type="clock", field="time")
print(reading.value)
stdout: 11:23:09
